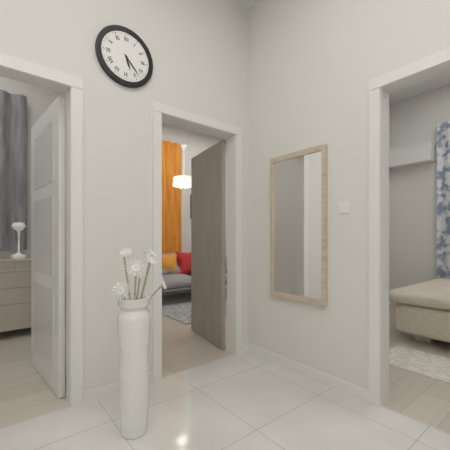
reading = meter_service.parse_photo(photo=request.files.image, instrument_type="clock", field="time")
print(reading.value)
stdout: 5:23
